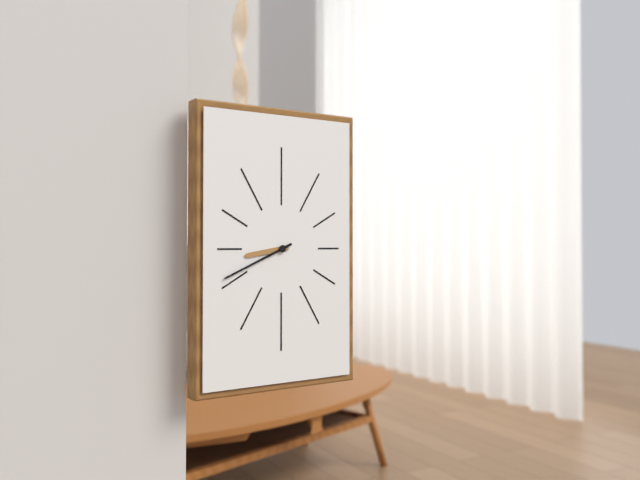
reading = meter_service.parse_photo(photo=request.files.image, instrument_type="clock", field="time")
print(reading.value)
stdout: 8:41
